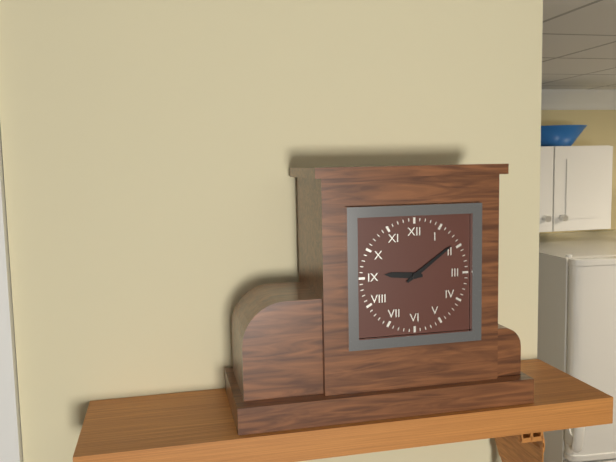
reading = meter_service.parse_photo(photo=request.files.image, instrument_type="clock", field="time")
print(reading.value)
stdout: 9:09
